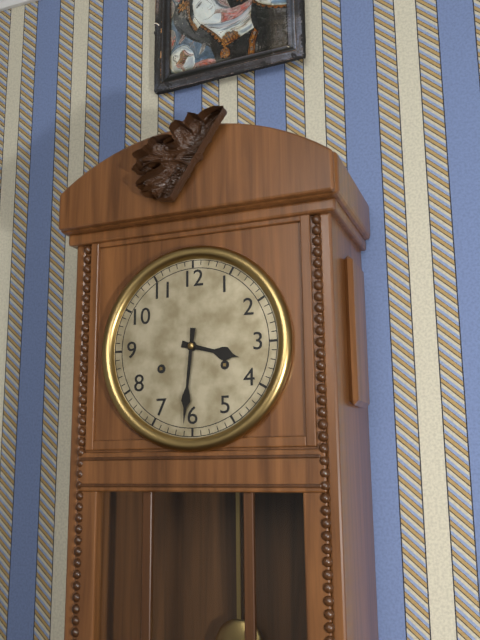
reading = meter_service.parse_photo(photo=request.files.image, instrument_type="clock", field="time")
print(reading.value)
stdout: 3:31
